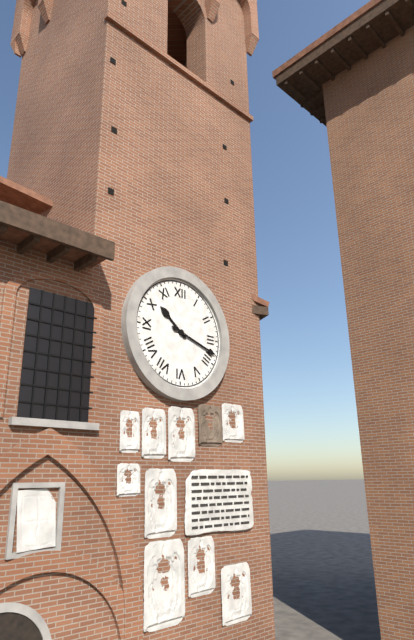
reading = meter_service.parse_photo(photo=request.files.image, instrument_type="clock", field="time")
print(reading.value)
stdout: 10:18
